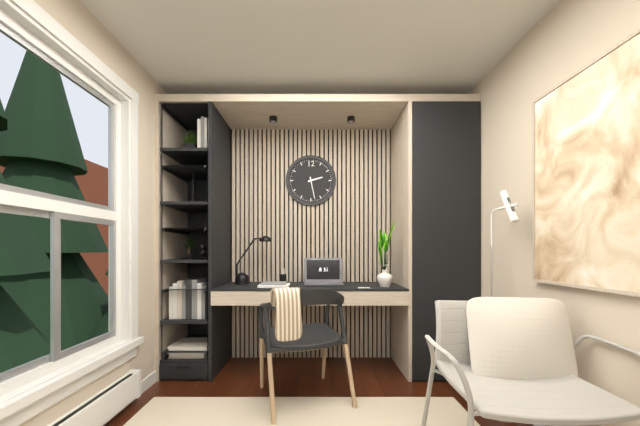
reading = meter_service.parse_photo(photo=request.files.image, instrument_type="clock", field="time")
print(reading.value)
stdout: 2:28
